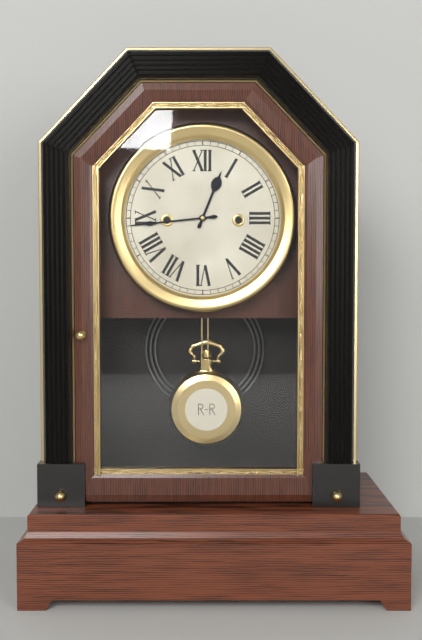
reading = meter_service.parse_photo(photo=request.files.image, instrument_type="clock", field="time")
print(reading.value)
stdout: 12:44
